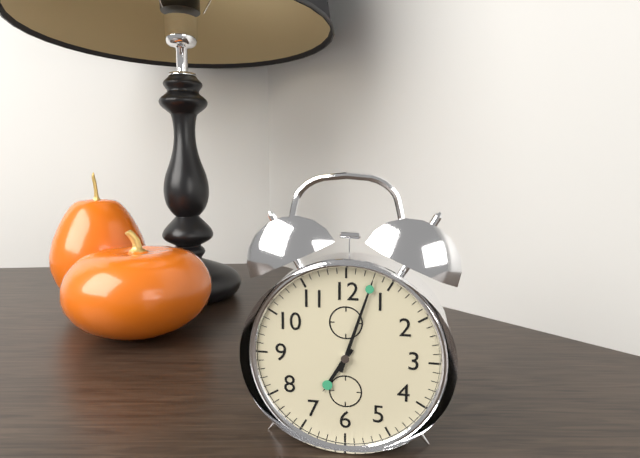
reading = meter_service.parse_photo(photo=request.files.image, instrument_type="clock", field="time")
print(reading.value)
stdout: 7:03
